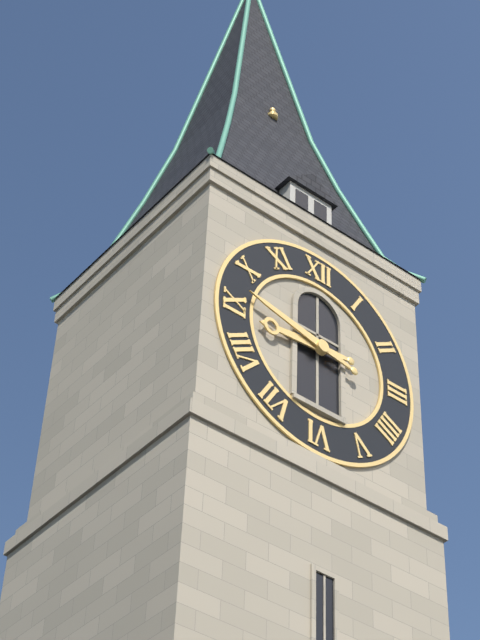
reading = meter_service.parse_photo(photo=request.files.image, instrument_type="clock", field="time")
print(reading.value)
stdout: 8:47
